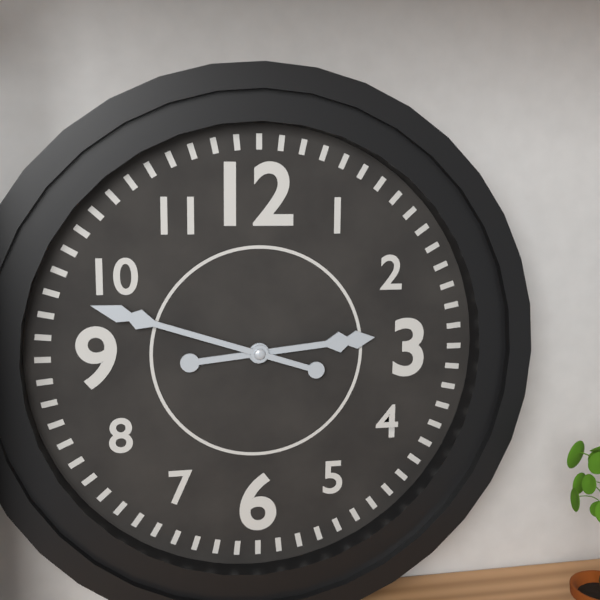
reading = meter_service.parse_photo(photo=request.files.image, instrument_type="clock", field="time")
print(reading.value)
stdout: 2:48
